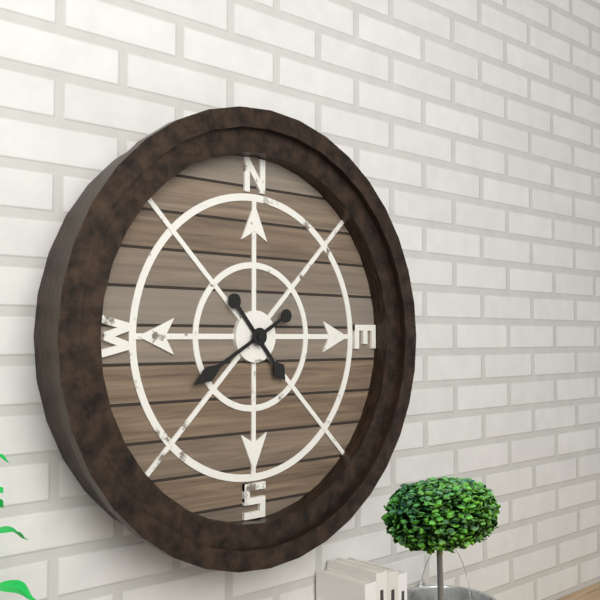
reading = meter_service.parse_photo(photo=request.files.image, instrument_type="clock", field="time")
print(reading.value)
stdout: 4:40
